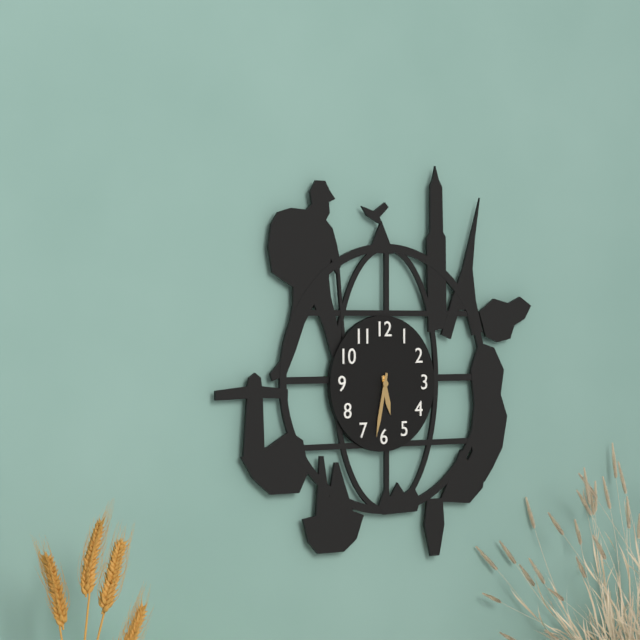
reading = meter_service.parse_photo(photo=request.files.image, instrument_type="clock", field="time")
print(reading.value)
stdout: 5:32
